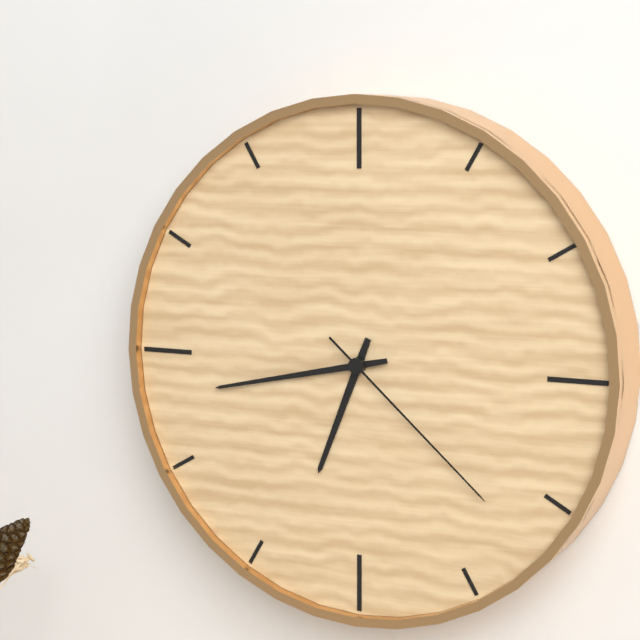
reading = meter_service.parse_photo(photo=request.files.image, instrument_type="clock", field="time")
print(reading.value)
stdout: 6:43:22
